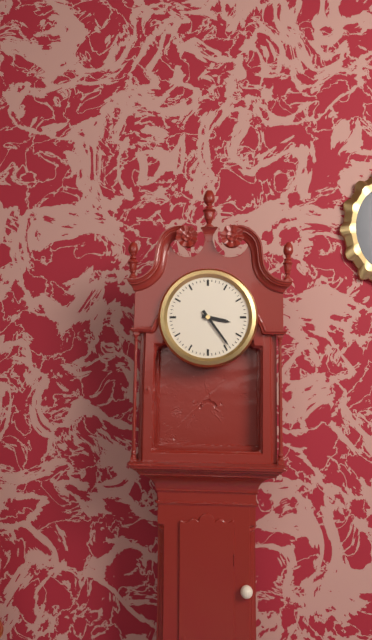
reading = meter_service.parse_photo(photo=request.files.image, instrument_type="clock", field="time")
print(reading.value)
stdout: 3:24
